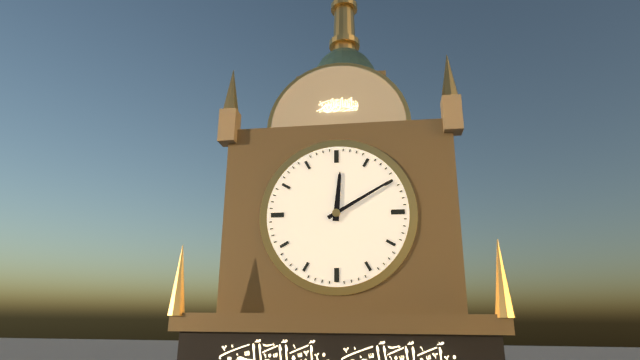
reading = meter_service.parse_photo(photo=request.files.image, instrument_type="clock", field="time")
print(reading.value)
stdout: 12:10
